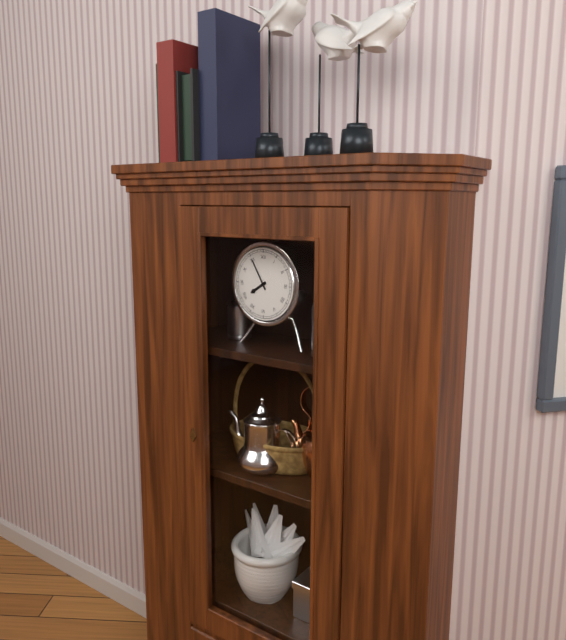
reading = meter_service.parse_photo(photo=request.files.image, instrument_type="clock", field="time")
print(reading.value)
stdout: 7:55
